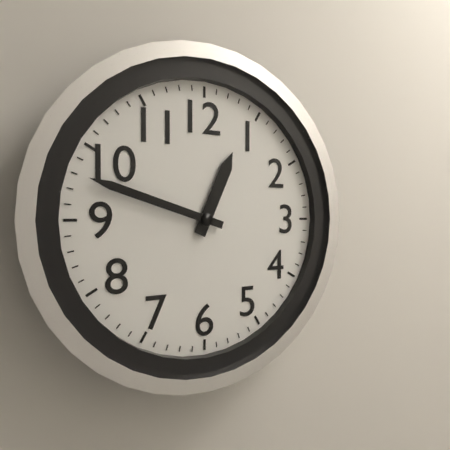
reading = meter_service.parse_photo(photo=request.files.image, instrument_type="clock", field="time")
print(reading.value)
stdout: 12:48
